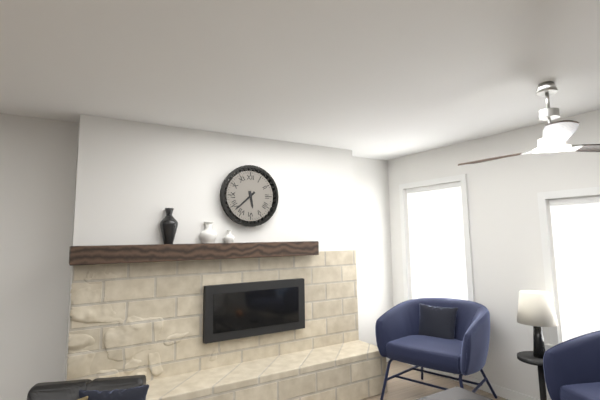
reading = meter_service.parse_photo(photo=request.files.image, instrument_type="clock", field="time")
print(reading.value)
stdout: 5:38
